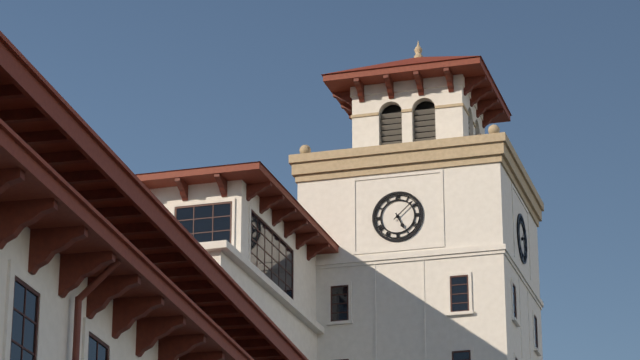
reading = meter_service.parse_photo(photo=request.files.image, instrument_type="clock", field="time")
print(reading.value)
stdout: 5:08
